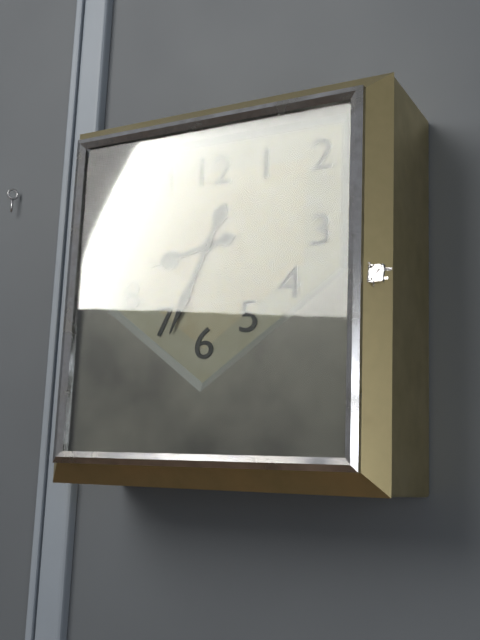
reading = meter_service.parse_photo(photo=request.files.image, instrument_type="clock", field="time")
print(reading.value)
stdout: 8:34
